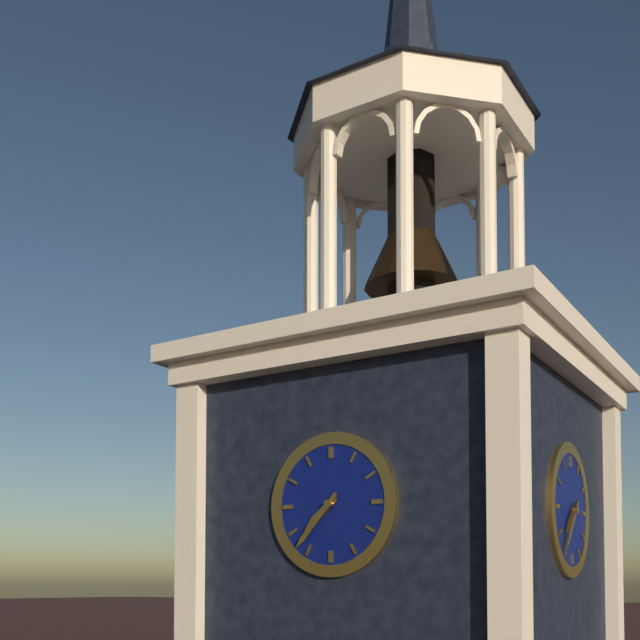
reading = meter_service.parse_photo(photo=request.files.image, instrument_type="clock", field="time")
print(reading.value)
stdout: 7:37
